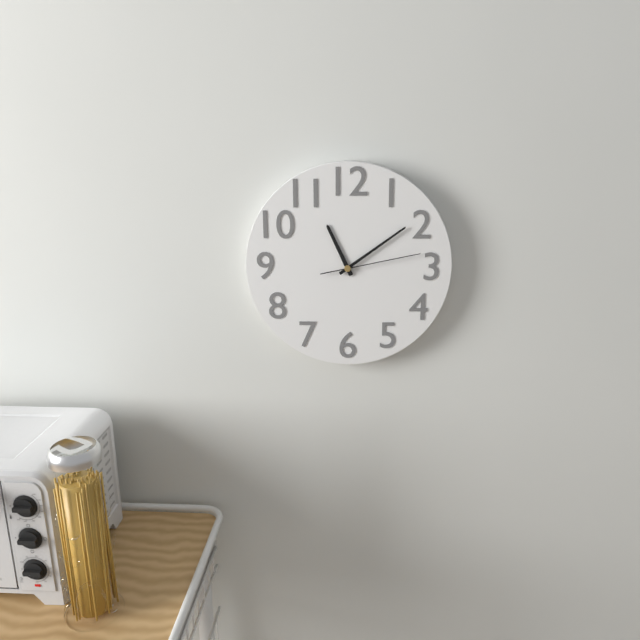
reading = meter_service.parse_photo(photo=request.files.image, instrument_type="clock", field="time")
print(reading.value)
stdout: 11:09:13
